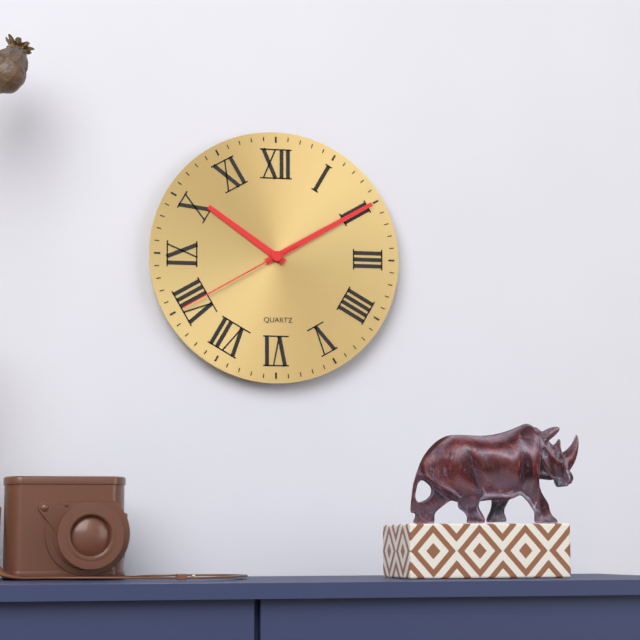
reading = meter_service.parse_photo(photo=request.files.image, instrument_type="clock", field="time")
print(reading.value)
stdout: 10:10:40
